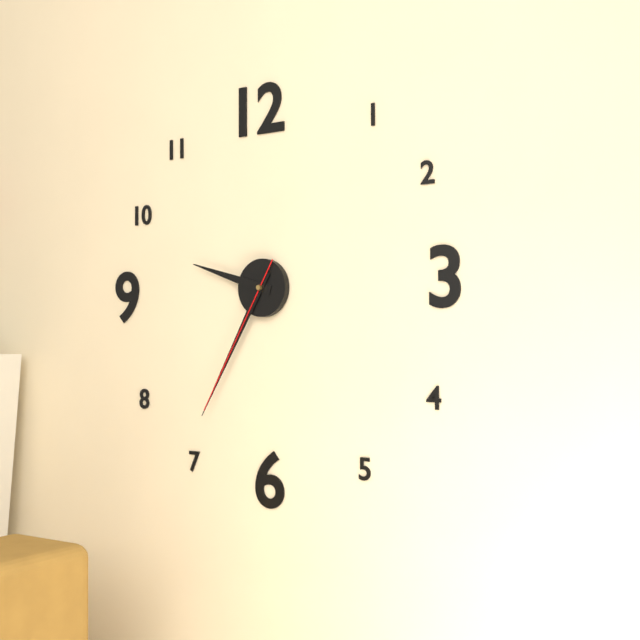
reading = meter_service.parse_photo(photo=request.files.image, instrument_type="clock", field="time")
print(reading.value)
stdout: 9:35:35
